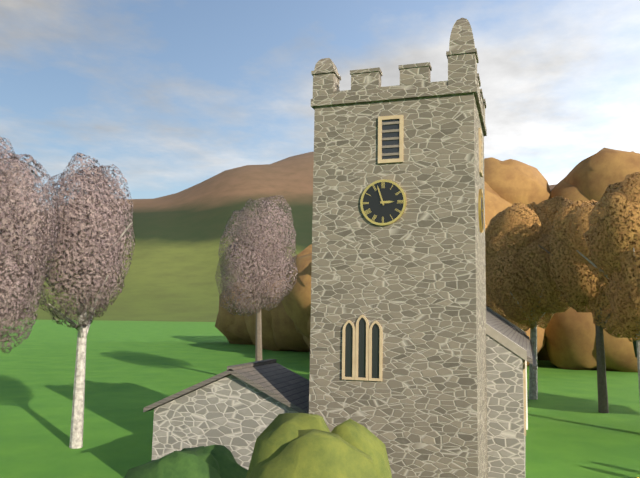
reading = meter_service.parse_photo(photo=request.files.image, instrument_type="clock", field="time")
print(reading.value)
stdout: 2:57
